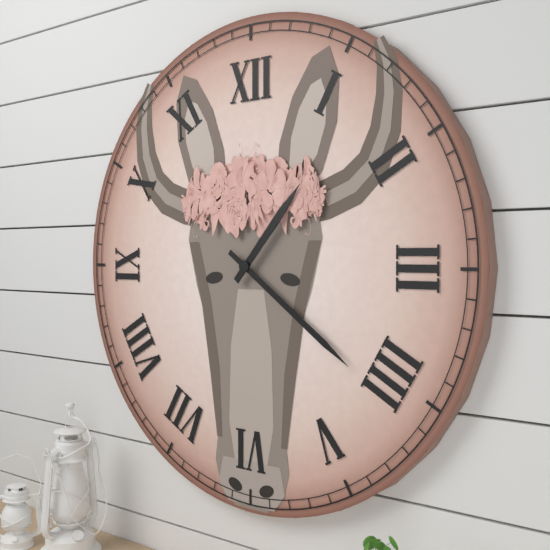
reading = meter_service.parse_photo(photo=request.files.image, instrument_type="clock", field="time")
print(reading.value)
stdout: 1:21
